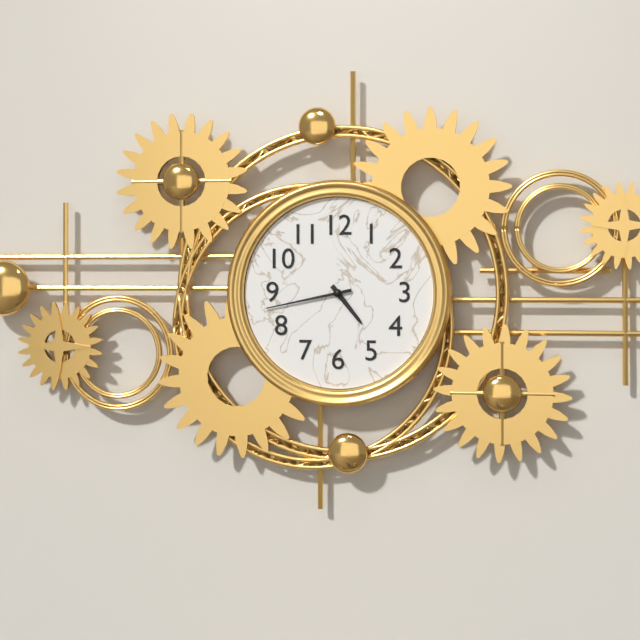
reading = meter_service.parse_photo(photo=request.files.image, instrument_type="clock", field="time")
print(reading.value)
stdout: 4:43
